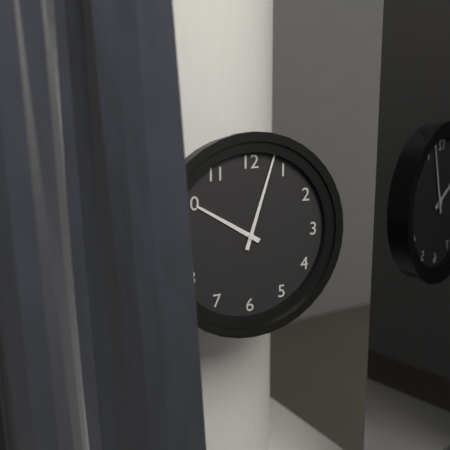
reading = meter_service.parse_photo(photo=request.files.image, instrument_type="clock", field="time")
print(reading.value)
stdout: 10:03
